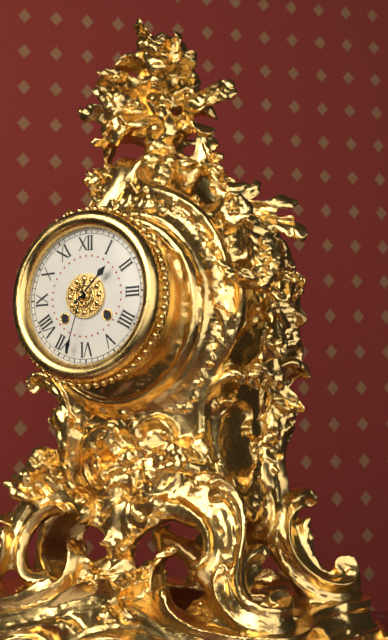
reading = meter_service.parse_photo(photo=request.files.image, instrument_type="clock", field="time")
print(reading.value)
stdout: 1:33
